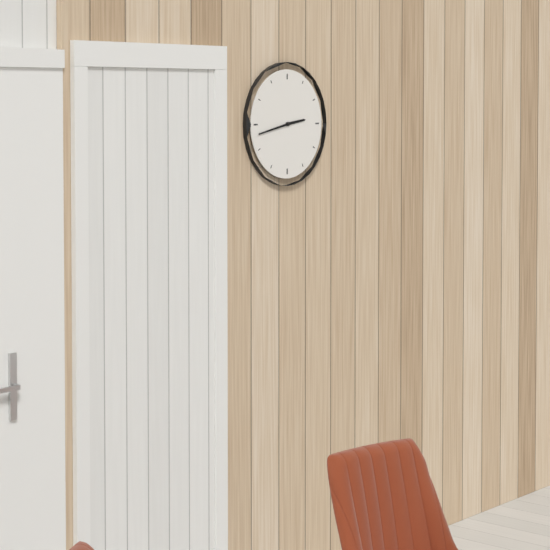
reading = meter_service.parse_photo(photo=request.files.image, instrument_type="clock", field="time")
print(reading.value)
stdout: 2:43
